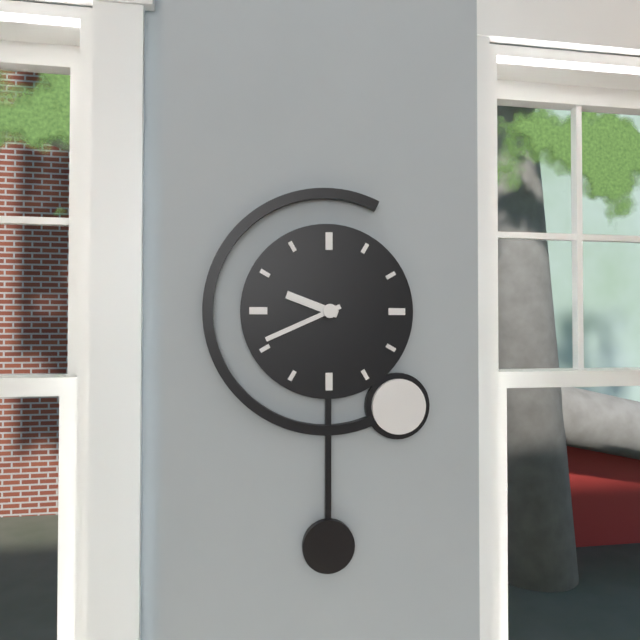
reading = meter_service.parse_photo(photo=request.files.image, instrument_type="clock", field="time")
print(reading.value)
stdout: 9:41
